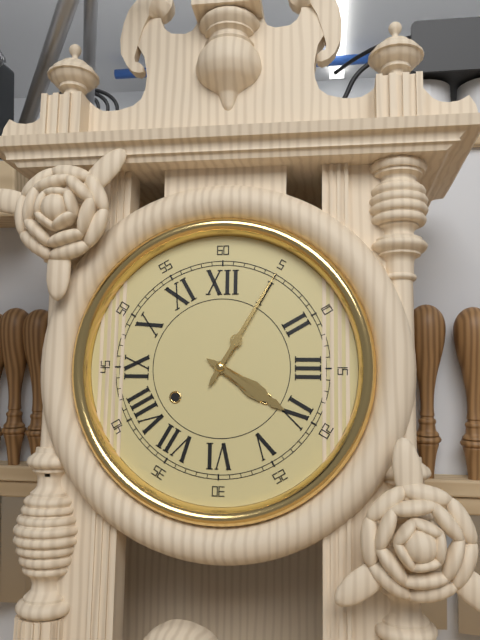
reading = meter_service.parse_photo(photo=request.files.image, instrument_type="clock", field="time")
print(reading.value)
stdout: 4:05
